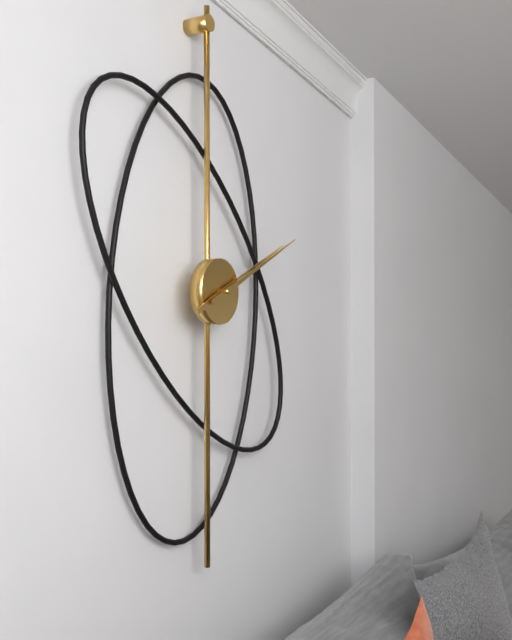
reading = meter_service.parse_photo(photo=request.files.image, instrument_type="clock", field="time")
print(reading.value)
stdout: 2:11
